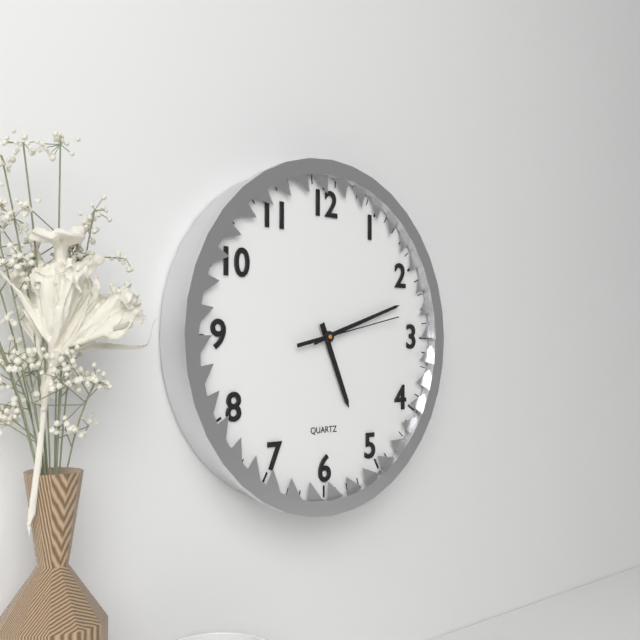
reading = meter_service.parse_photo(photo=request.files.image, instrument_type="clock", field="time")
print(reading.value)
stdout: 5:12:13
